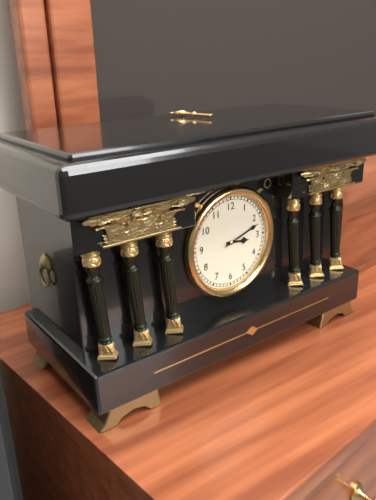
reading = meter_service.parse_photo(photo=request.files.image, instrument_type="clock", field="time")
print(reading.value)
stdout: 3:12
